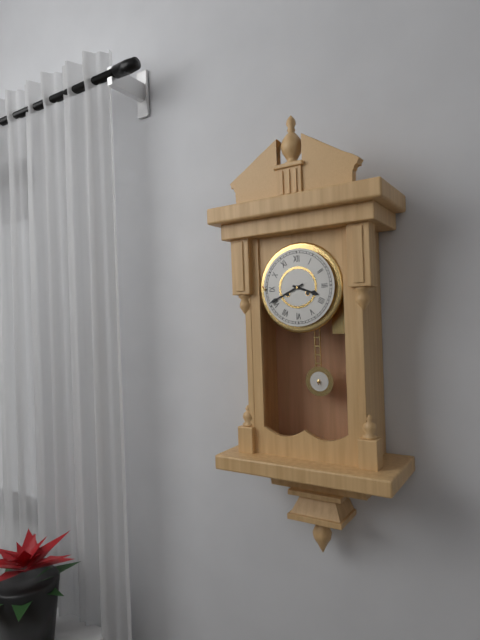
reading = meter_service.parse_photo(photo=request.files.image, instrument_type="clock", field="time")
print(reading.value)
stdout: 3:41
